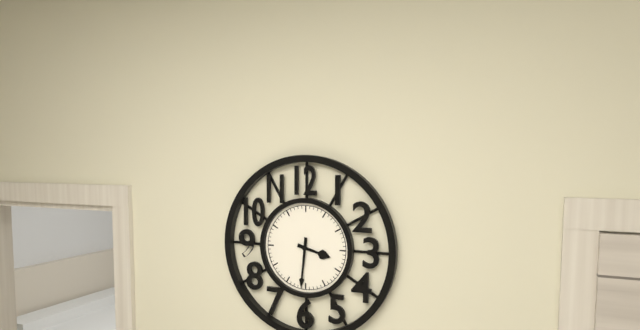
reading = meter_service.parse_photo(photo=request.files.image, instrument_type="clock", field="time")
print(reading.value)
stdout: 3:31
